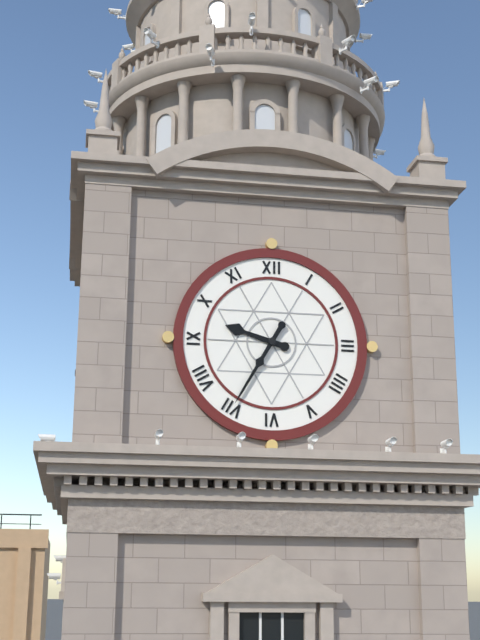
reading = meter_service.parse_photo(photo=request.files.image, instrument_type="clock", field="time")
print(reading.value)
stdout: 9:35
